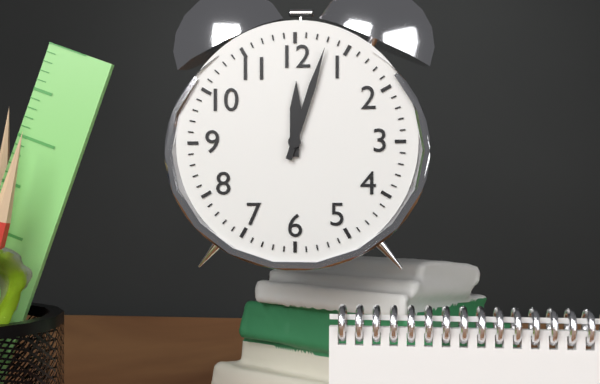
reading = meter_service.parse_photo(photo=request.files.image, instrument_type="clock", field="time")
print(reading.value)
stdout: 12:03
